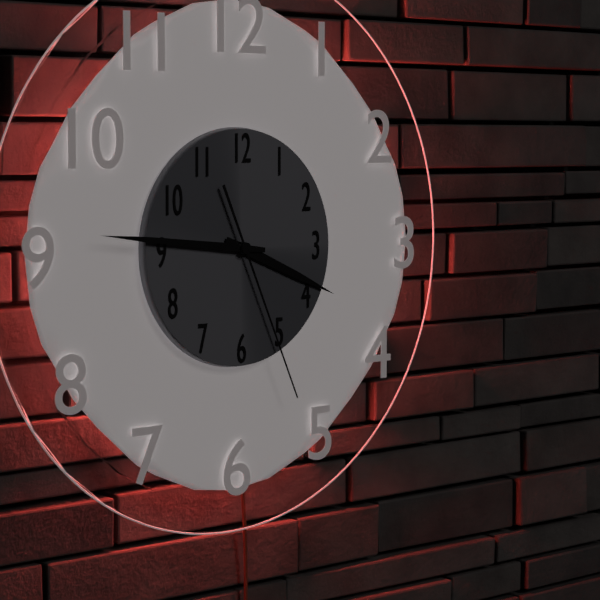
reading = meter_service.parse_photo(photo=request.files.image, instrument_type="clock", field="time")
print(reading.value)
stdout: 3:46:26
